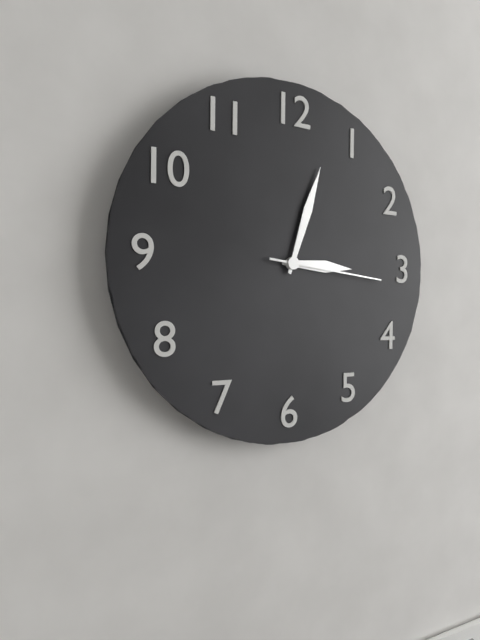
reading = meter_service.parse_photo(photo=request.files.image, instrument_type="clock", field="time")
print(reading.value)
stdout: 3:03:16
